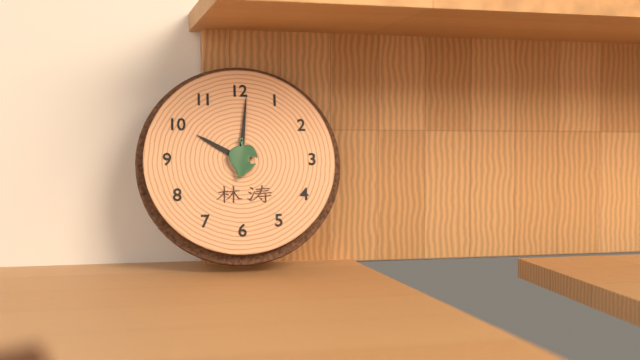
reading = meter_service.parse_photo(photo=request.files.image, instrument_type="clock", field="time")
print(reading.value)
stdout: 10:01
